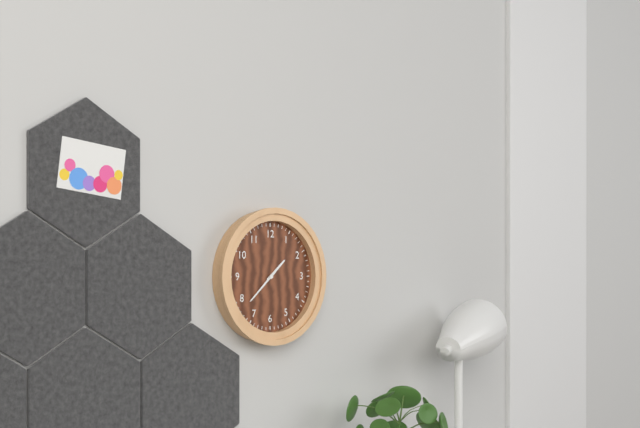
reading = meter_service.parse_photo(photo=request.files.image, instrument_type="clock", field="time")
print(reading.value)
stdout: 1:38
